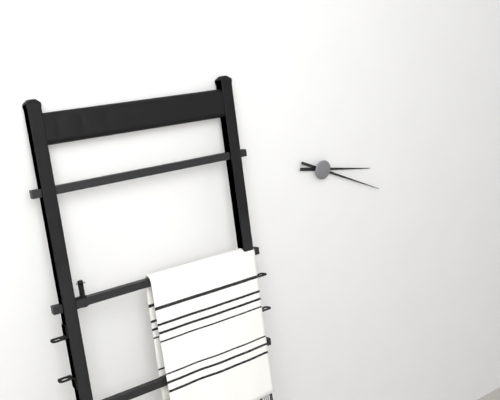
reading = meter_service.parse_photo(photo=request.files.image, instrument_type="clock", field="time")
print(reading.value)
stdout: 3:19
